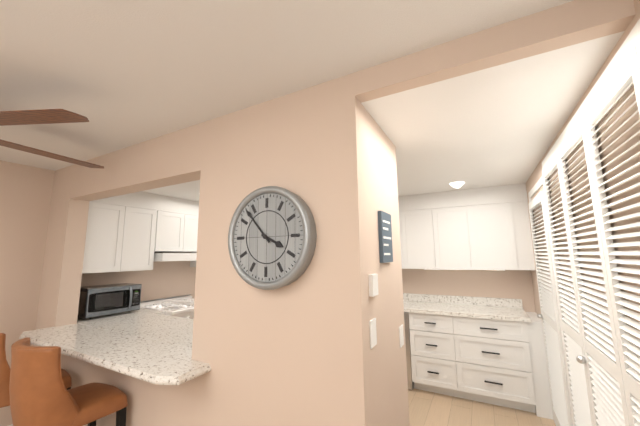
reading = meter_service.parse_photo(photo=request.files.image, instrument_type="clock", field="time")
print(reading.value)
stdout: 3:53
